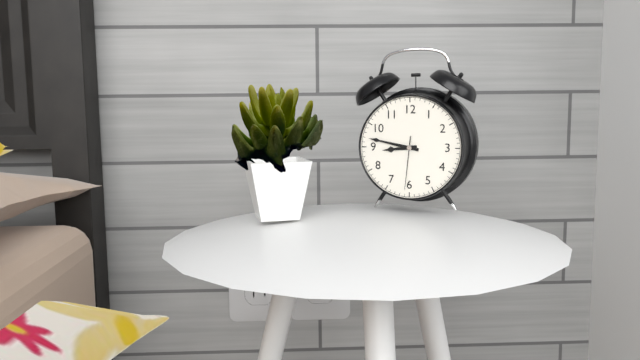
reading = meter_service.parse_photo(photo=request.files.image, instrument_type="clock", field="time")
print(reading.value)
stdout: 8:47:31
